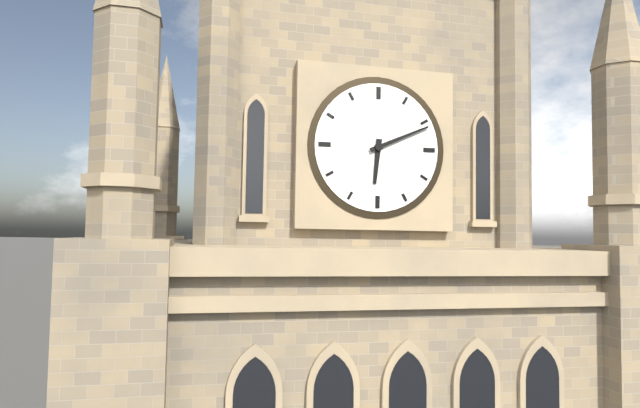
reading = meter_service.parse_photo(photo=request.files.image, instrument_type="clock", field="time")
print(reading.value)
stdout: 6:11
